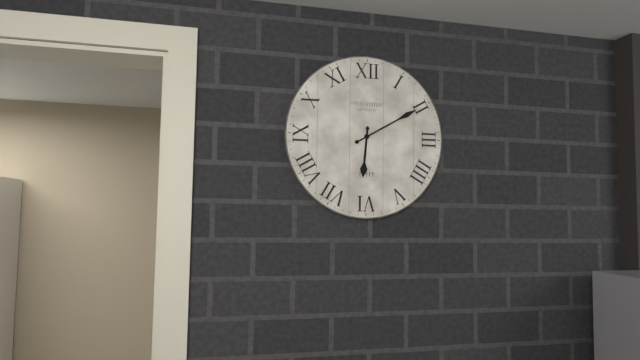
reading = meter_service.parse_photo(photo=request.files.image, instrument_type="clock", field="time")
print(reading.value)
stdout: 6:10
